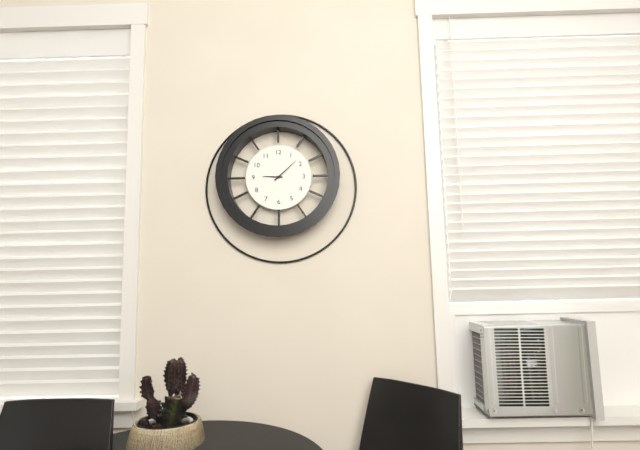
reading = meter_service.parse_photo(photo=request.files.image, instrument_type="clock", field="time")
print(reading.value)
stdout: 9:08
